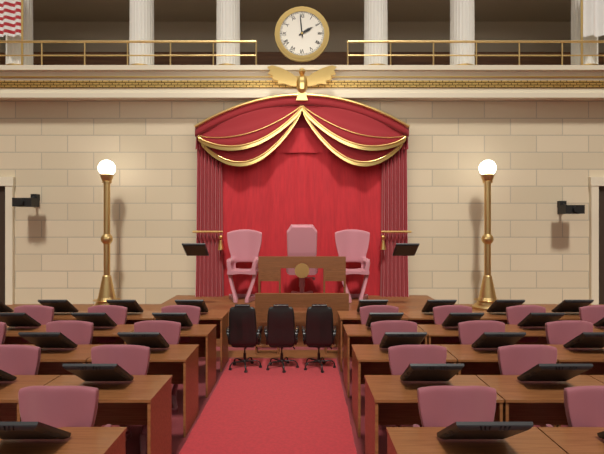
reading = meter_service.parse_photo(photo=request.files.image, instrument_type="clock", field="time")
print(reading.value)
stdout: 1:59
